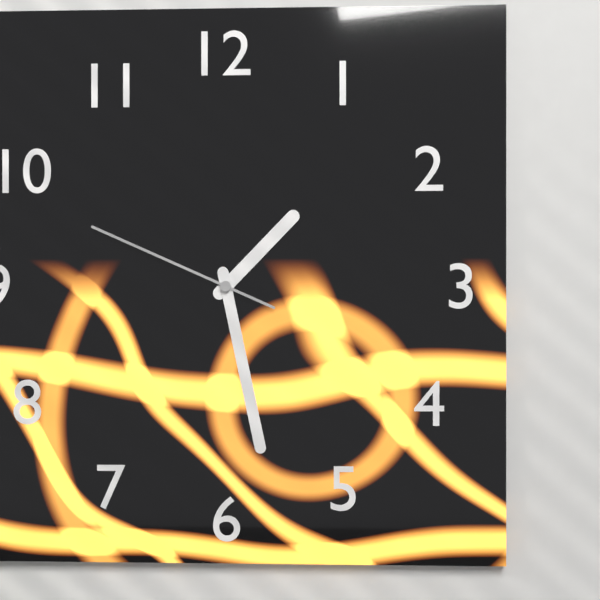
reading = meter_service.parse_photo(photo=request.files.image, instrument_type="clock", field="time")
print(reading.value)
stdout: 1:28:49
